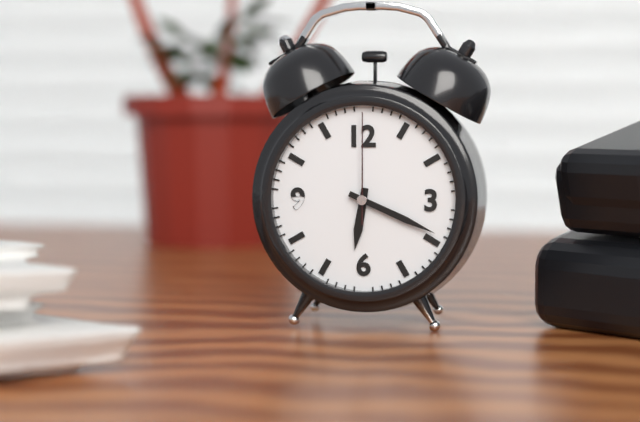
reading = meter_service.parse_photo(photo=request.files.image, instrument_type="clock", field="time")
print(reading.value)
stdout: 6:19:00
